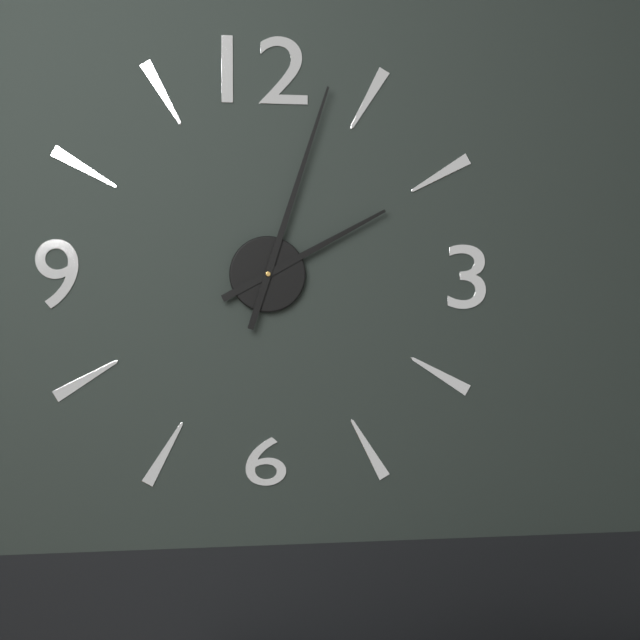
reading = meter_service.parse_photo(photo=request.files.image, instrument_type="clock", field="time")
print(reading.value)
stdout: 2:03
